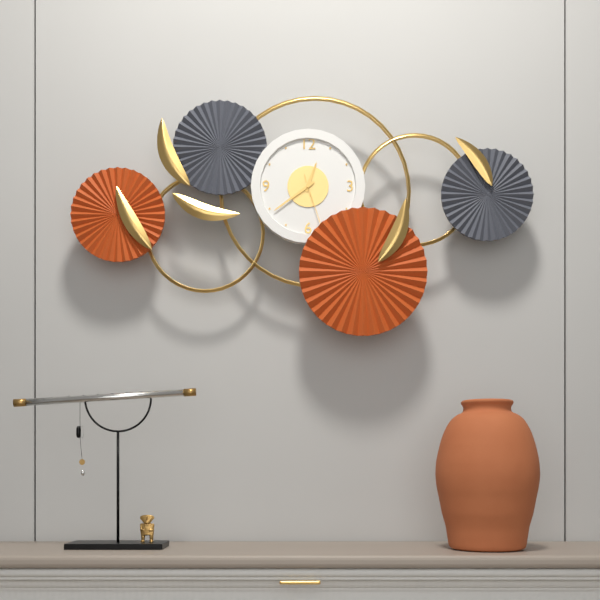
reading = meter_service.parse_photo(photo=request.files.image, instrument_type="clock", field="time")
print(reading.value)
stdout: 12:39:27
